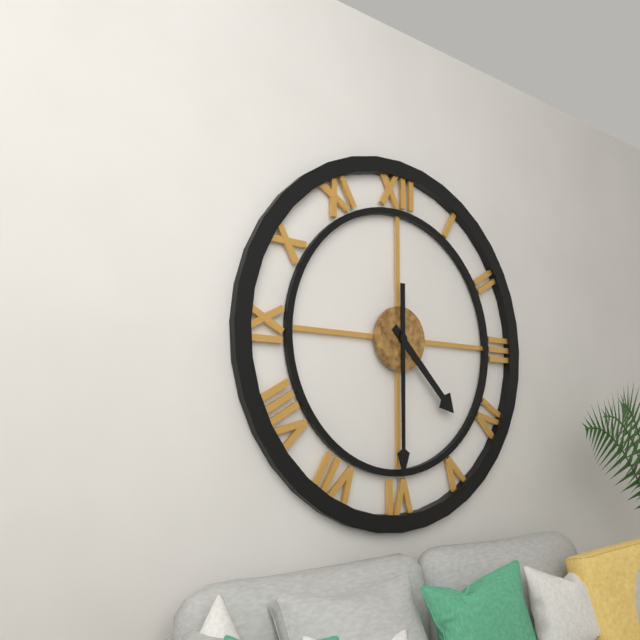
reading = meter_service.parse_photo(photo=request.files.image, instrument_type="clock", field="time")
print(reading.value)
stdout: 4:30
